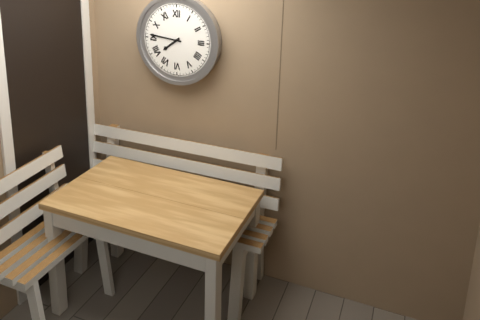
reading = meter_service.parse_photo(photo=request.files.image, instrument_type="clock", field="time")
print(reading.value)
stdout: 7:46
